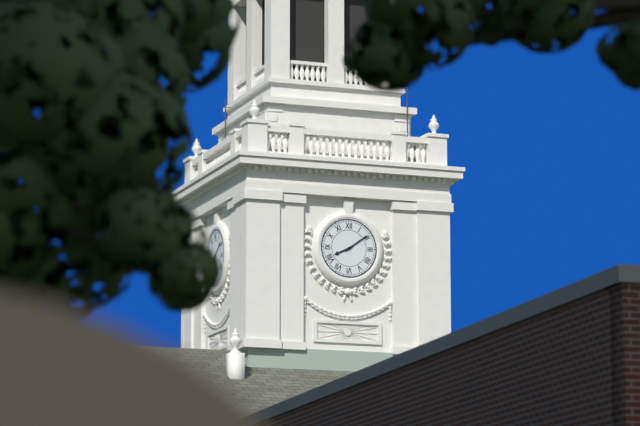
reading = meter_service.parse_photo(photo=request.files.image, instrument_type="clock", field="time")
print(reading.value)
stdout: 8:09
